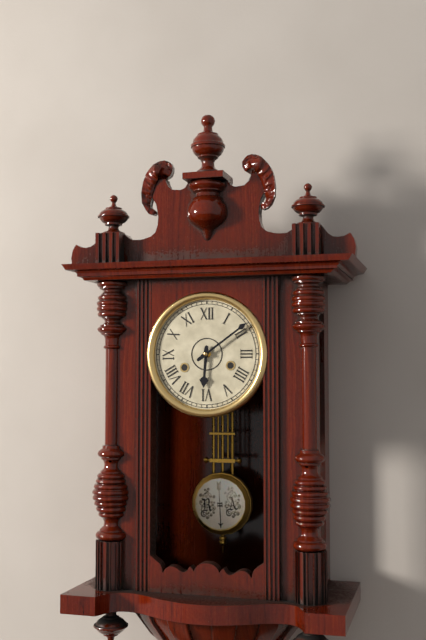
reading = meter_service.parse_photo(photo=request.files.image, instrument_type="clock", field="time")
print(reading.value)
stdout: 6:09
